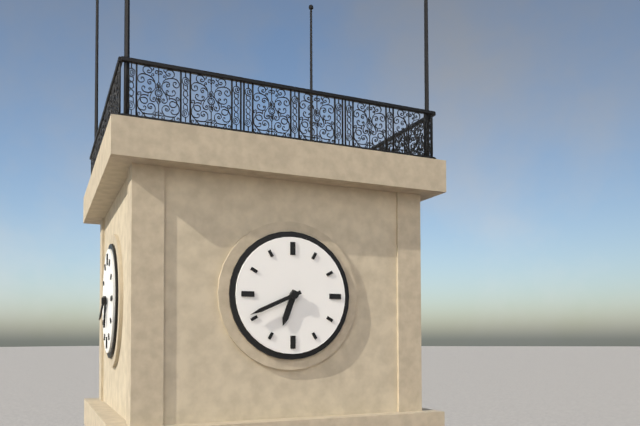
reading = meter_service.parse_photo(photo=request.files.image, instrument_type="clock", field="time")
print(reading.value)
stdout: 6:41
